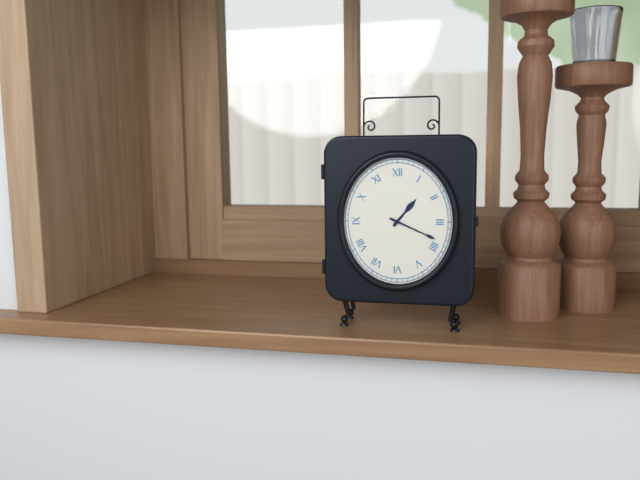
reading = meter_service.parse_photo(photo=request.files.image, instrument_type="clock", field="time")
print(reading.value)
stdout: 1:19
